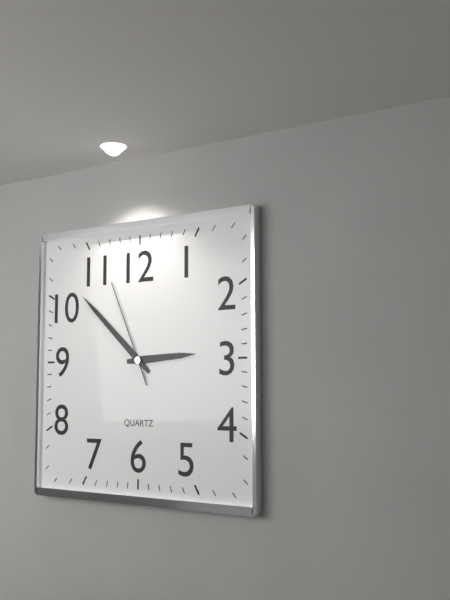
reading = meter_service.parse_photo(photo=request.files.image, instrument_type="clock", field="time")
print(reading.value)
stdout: 2:52:56
